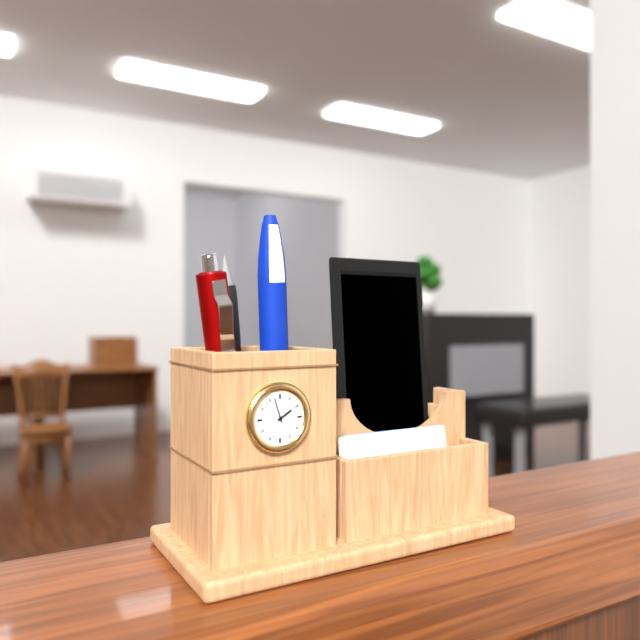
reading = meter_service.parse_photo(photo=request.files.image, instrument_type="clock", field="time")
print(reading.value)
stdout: 1:57
